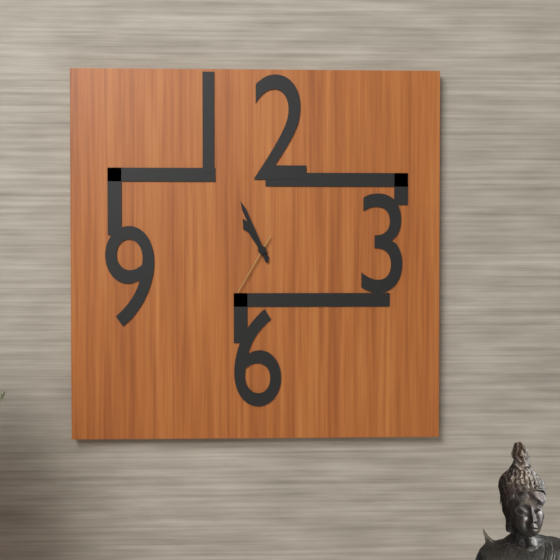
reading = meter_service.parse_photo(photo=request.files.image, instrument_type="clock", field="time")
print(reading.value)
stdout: 10:56:35
